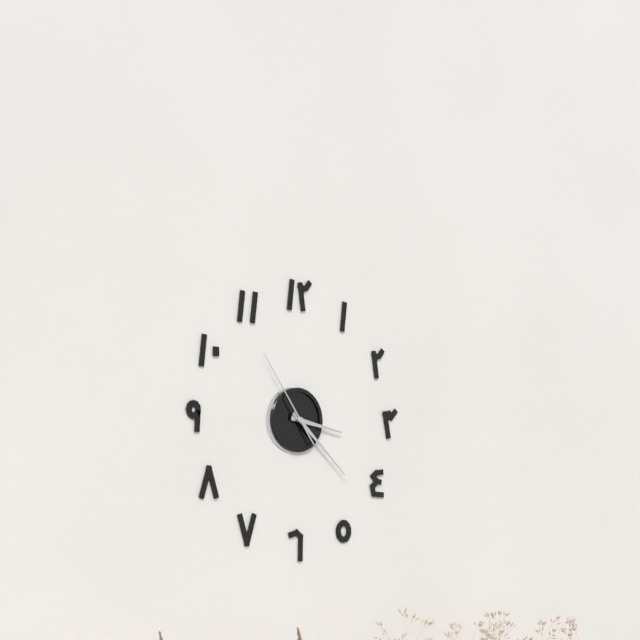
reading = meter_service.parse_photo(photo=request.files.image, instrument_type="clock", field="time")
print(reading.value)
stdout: 3:22:54
